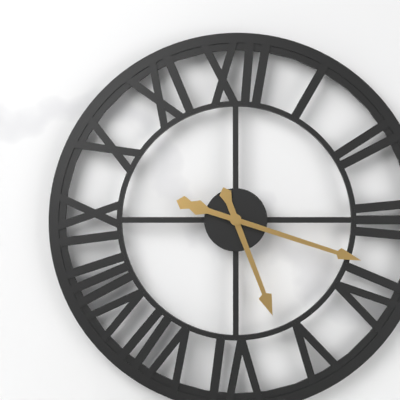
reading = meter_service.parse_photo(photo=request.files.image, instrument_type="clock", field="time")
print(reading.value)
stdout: 5:18
